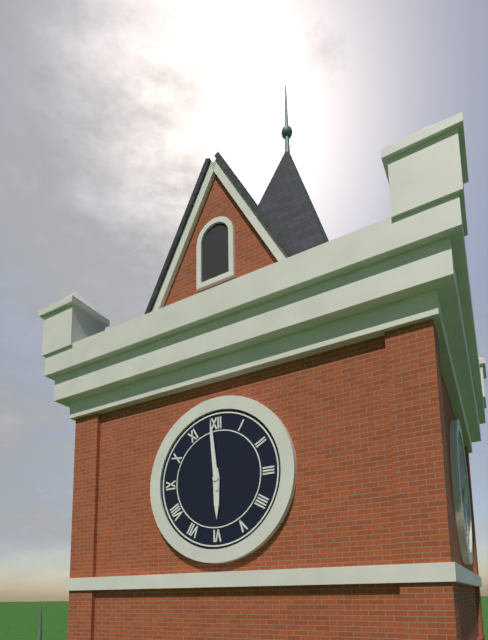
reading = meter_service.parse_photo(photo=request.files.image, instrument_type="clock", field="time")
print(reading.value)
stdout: 5:59
